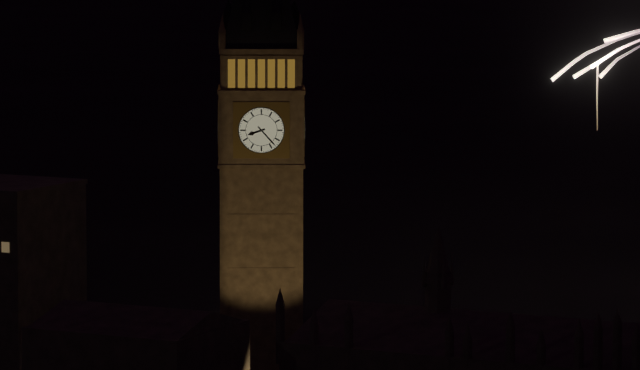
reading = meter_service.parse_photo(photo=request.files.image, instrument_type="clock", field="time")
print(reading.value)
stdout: 8:23
